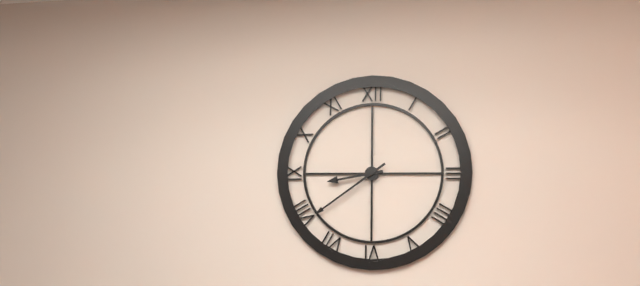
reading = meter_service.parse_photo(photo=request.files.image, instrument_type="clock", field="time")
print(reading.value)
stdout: 8:39
